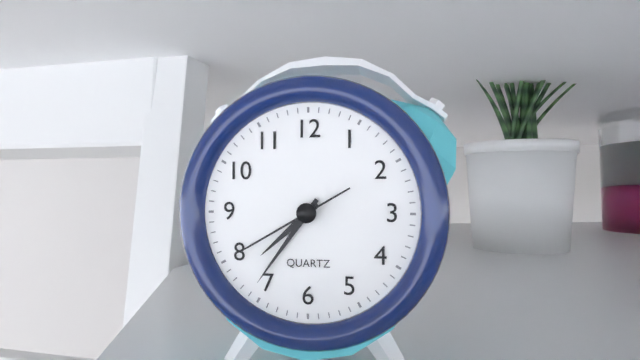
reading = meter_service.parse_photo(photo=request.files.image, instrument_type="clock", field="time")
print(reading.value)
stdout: 7:36:40
